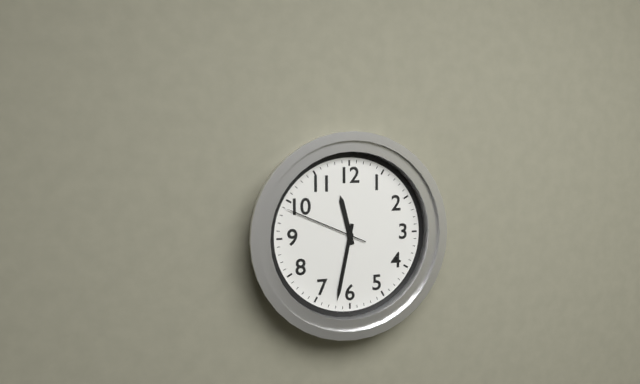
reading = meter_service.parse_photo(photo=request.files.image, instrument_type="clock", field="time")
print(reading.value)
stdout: 11:32:49
